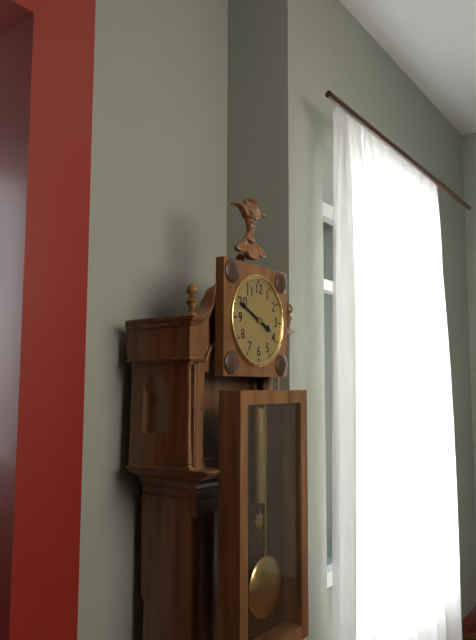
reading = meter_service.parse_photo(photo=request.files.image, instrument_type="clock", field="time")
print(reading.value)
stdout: 3:49
